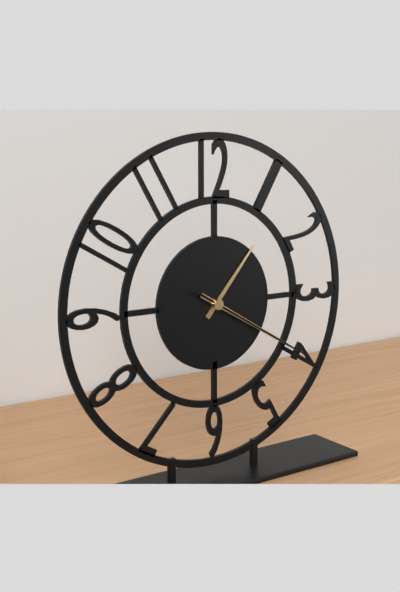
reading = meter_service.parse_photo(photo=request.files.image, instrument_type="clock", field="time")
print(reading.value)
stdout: 1:20:20
